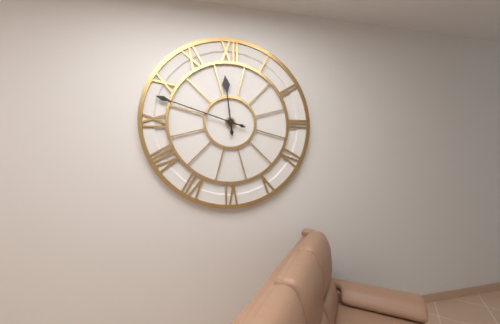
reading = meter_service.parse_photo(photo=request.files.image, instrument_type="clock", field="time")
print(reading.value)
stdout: 11:48
